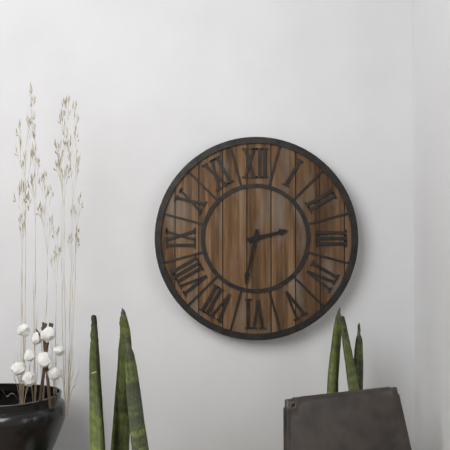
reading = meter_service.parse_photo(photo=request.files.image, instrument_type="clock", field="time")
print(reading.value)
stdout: 2:32
